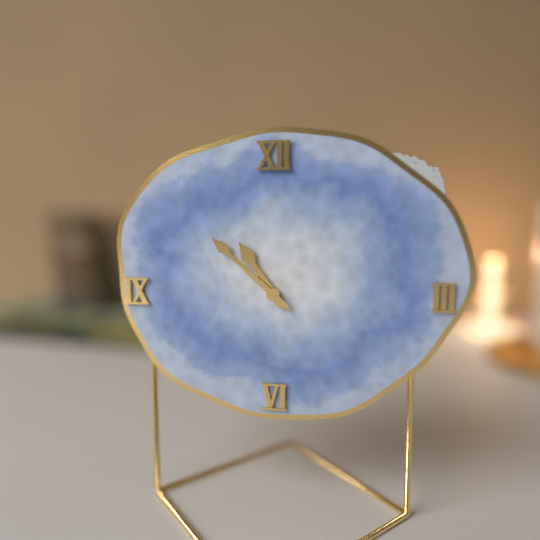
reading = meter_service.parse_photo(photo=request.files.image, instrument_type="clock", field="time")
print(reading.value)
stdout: 10:52
